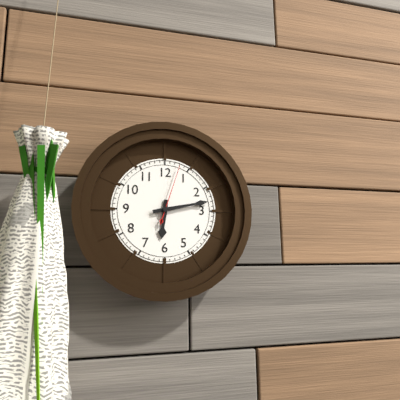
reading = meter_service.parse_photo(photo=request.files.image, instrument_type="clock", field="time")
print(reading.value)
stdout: 6:13:03
